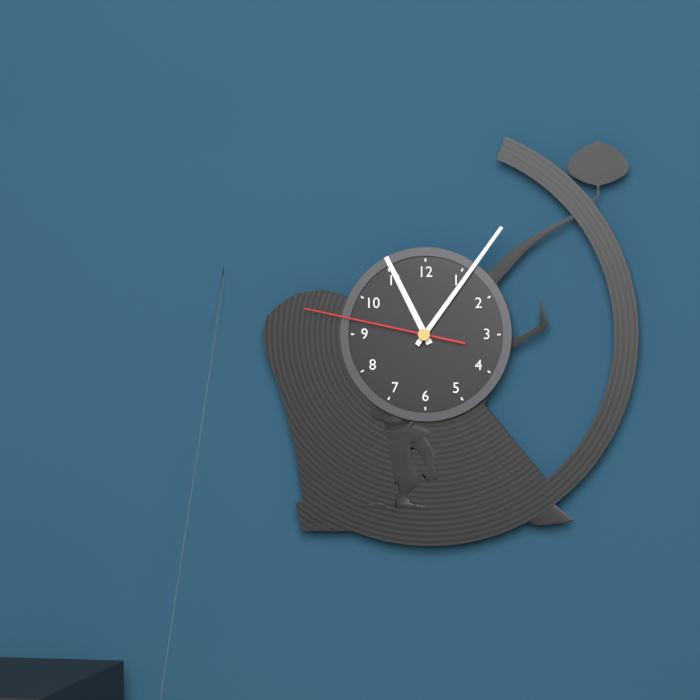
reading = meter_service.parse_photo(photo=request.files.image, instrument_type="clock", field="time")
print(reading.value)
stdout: 11:06:47
